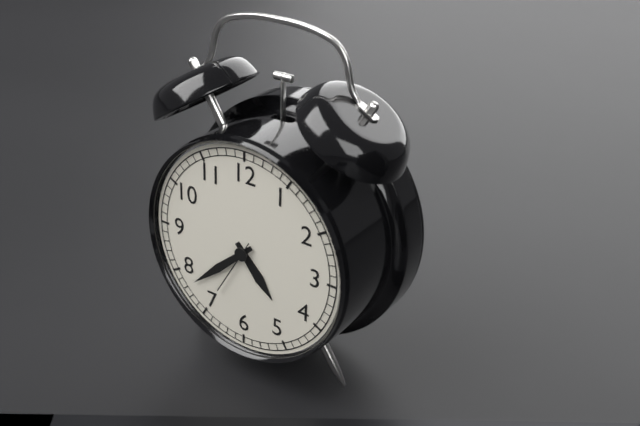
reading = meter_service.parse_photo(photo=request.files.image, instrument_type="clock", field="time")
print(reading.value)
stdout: 4:38:35
